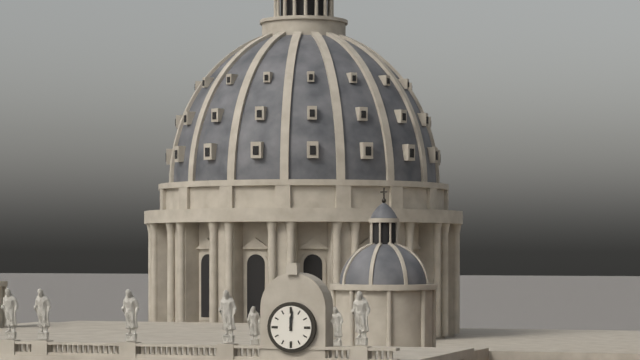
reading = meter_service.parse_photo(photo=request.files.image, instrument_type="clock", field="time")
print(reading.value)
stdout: 12:01
